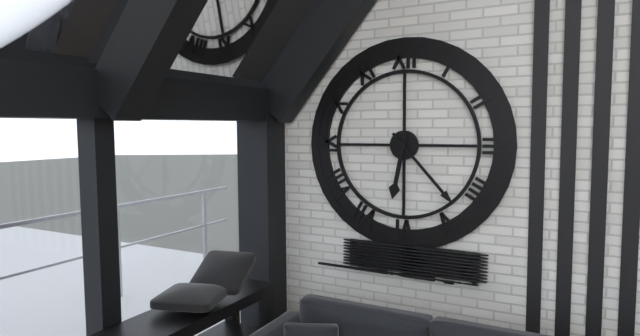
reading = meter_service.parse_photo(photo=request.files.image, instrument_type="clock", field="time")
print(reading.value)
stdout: 6:23
